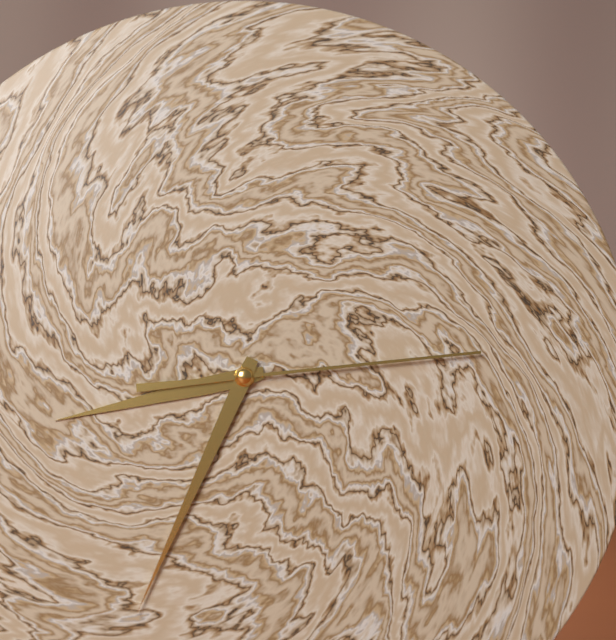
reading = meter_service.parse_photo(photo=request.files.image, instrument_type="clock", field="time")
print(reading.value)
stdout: 8:34:14
